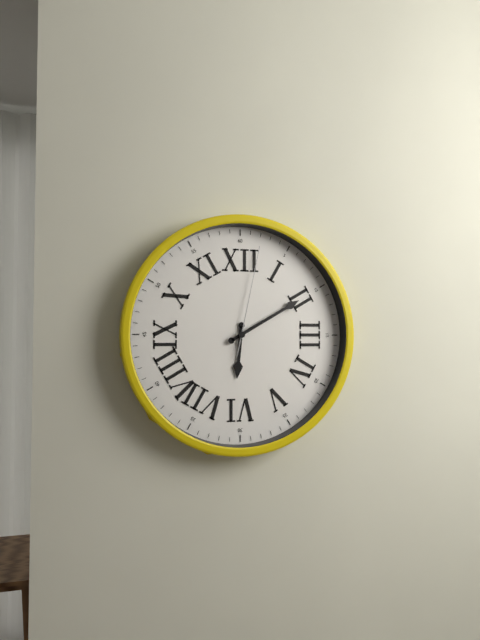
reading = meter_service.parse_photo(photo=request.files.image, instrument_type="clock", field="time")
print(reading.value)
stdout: 6:10:02
